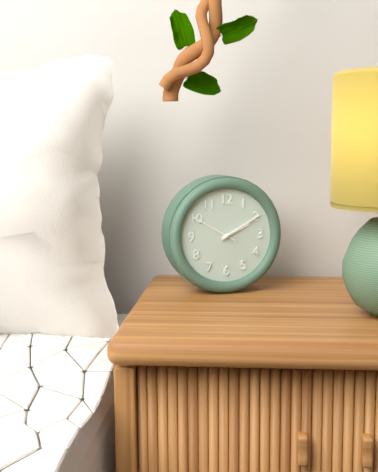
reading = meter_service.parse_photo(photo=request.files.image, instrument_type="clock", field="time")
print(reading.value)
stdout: 2:10
